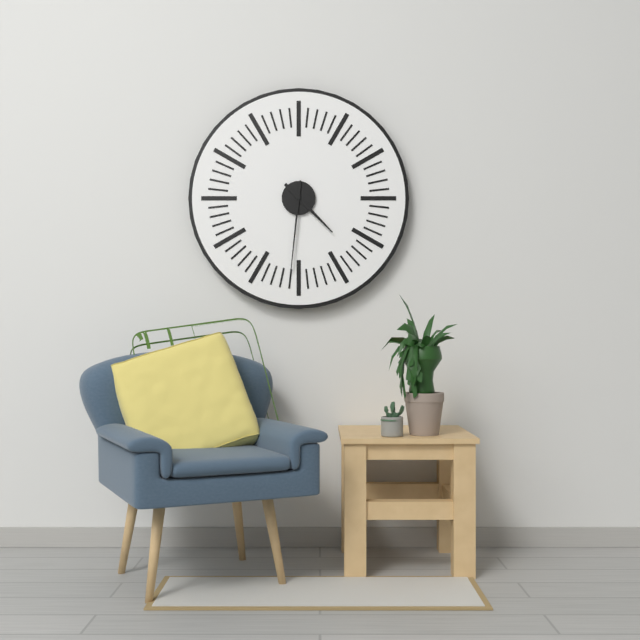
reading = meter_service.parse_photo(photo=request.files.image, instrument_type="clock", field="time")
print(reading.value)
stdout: 4:31
